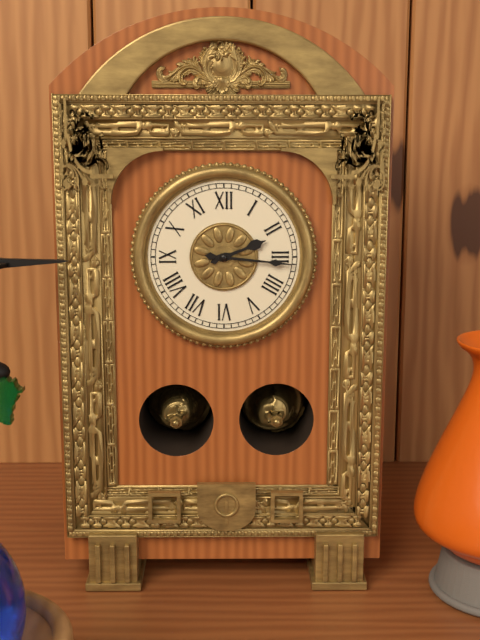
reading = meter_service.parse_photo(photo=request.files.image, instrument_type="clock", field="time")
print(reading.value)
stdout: 2:16
